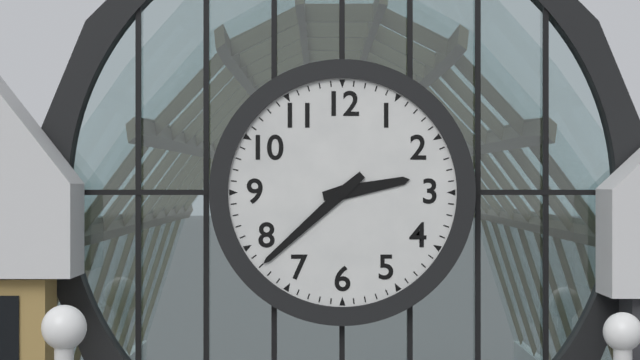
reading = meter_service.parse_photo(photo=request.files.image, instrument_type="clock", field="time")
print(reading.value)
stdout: 2:38
